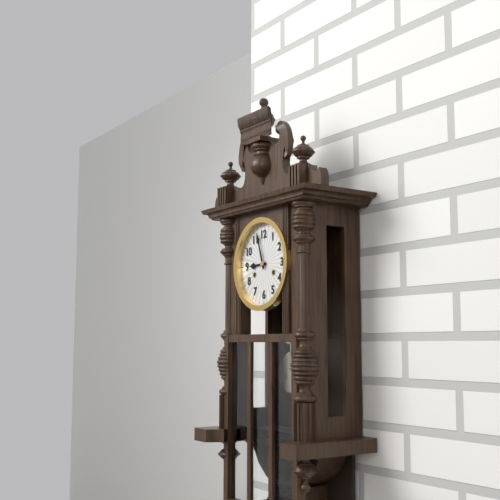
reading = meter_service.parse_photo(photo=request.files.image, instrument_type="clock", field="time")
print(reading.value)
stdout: 8:57
